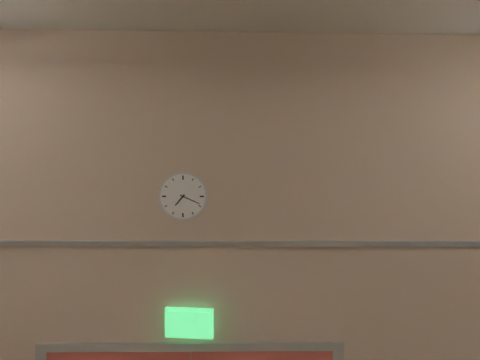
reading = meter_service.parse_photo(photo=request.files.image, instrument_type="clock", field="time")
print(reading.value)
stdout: 7:19
